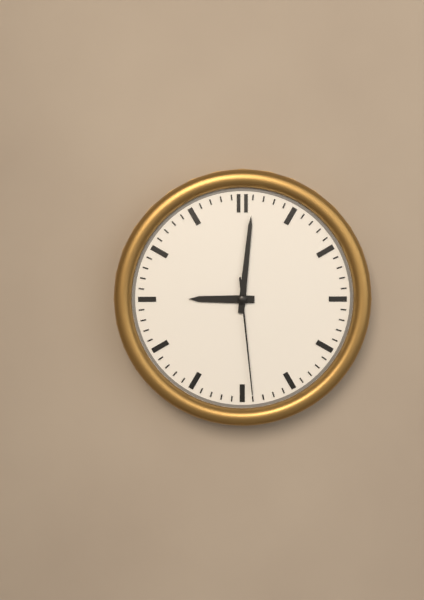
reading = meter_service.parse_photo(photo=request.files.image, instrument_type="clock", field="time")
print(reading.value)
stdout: 9:01:29
